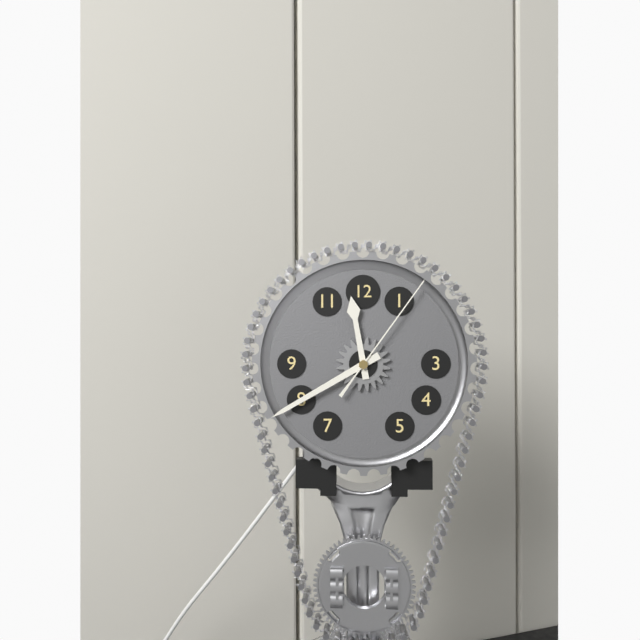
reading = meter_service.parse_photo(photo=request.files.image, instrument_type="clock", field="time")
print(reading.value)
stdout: 11:40:06
